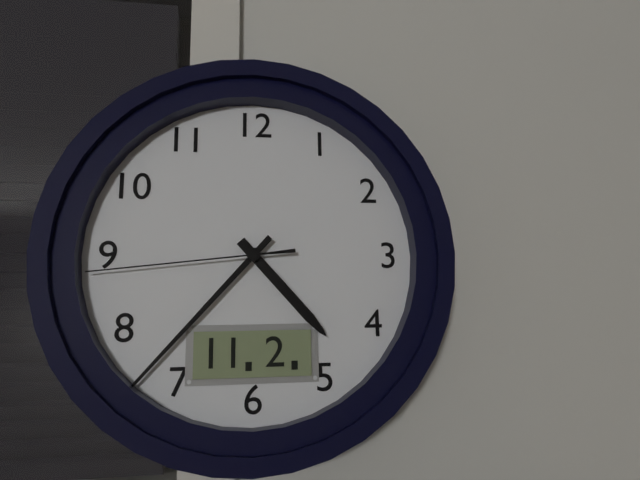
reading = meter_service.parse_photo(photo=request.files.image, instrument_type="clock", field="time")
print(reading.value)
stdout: 4:37:44
